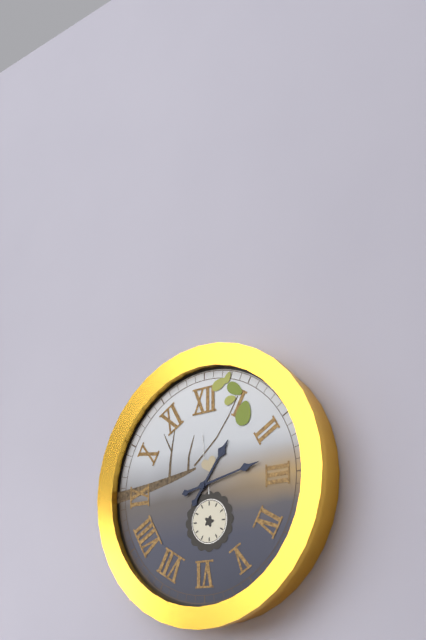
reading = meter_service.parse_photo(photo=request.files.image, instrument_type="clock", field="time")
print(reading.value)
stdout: 1:13
